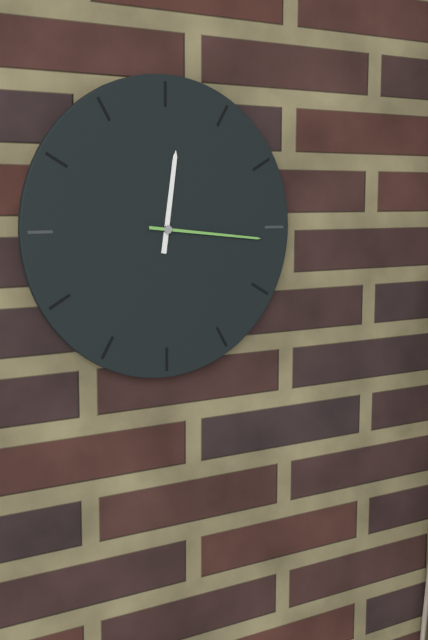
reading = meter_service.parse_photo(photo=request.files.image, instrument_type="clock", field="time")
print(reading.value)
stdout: 12:16
